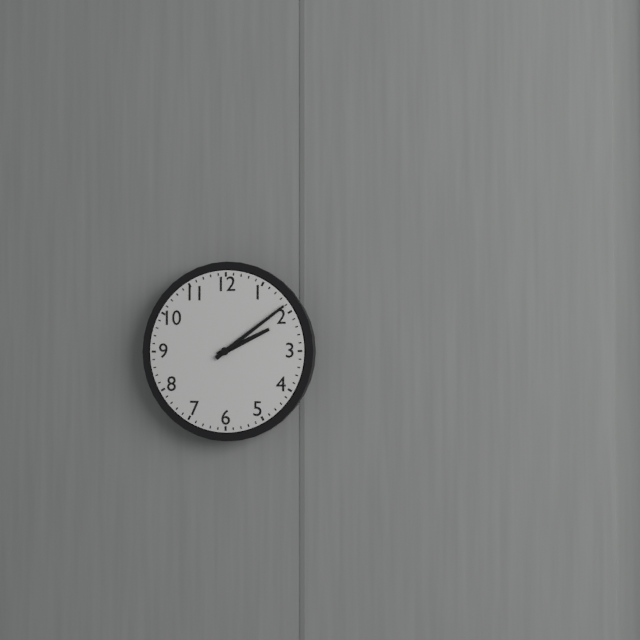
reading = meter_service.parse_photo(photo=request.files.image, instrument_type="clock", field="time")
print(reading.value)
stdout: 2:09
